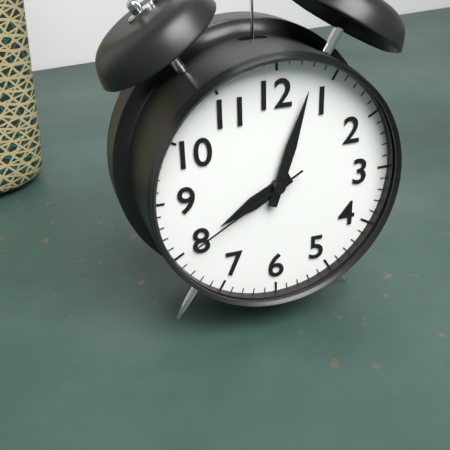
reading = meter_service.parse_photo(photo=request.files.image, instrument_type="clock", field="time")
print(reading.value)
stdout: 8:03:40
